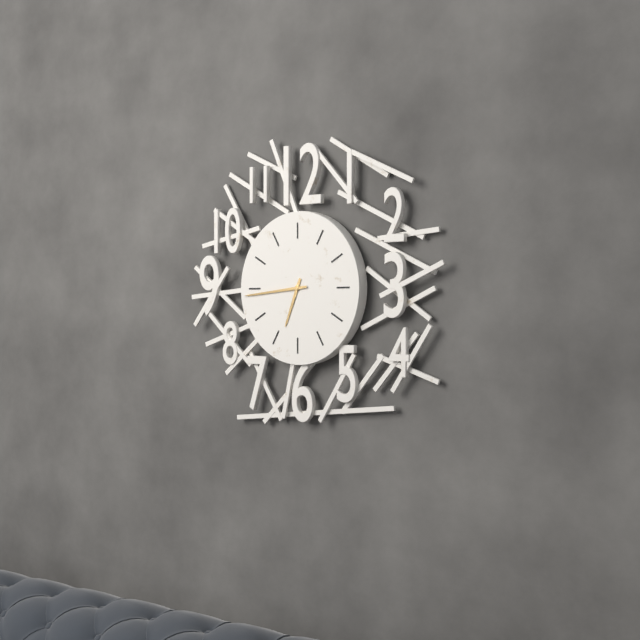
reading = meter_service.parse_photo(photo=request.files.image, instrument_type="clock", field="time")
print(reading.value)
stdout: 6:44
